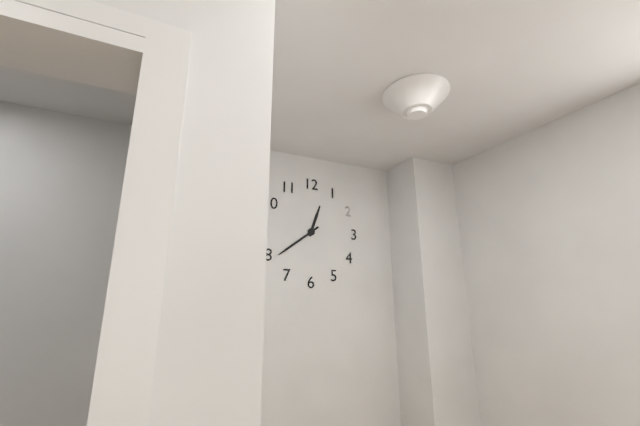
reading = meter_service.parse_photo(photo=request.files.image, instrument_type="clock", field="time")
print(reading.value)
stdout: 12:39
